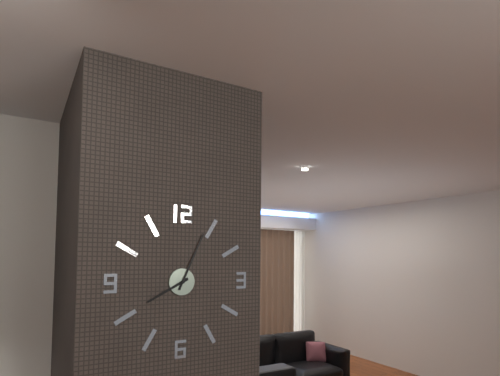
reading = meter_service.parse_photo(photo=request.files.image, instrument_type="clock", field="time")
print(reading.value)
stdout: 8:04
